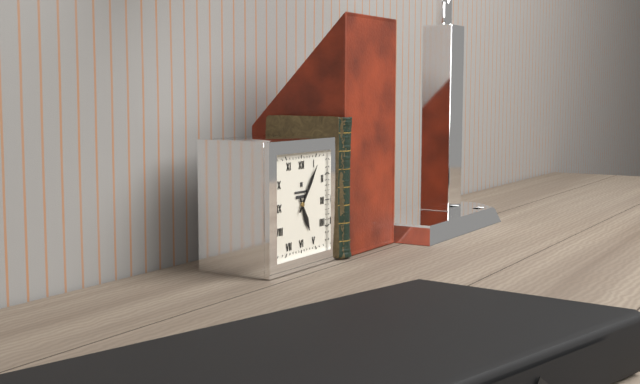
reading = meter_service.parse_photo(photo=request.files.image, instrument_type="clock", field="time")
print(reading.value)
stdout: 5:06
